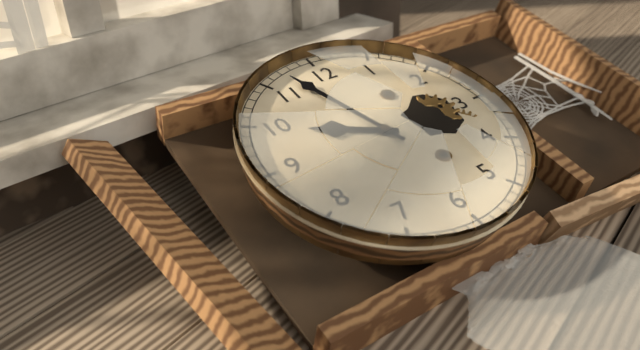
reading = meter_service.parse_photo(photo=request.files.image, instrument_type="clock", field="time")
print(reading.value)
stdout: 9:57
